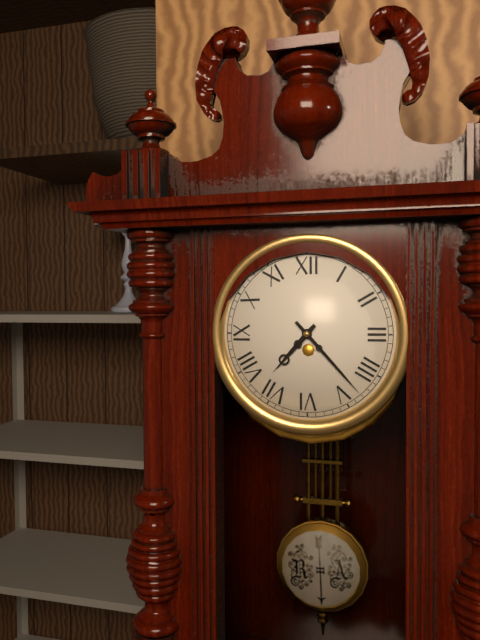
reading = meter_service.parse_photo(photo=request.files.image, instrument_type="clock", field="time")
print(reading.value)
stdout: 7:23
